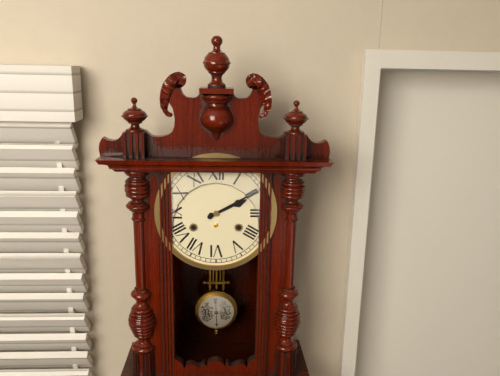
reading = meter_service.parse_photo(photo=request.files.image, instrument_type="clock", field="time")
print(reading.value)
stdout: 2:10
